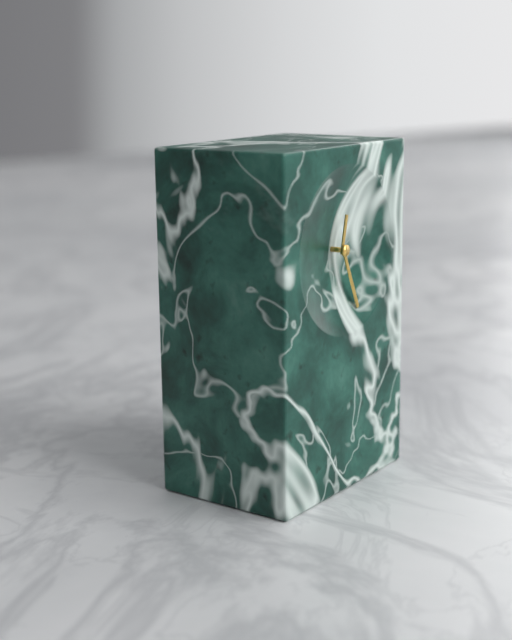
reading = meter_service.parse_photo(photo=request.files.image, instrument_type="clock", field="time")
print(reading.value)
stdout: 12:26
